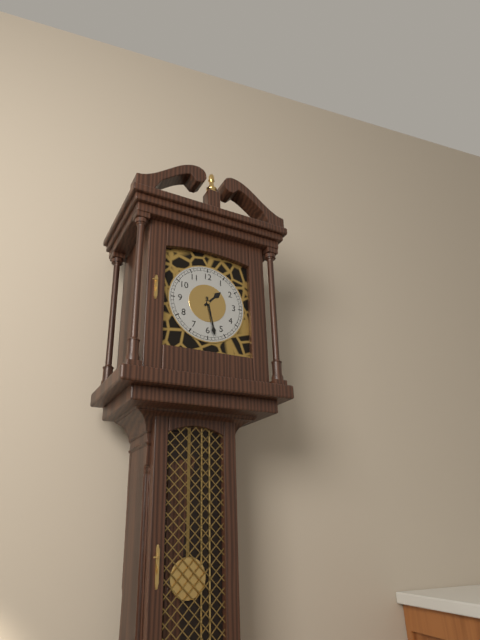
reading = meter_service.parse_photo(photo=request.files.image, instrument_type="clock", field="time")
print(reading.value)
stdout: 1:28
